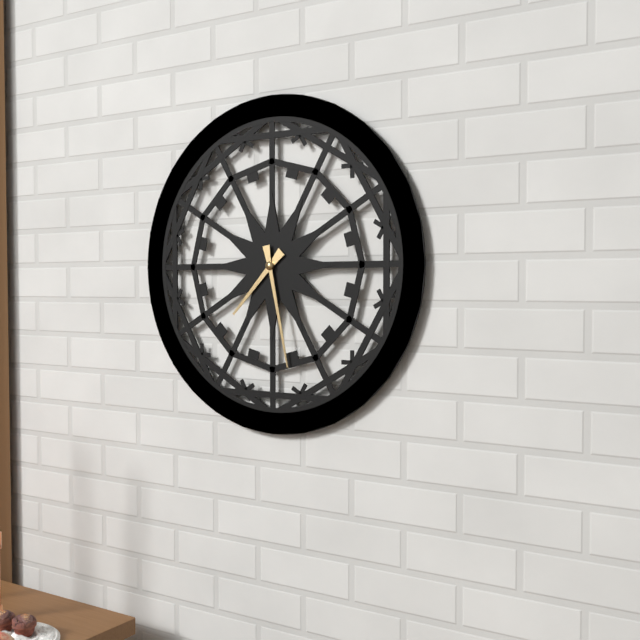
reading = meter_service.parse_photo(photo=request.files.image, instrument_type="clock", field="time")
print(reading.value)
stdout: 7:28
